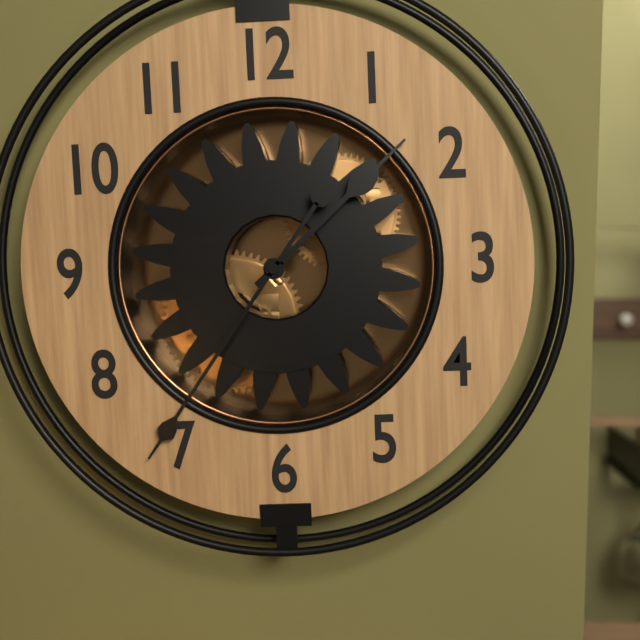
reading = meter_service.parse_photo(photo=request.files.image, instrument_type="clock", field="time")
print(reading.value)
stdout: 1:36
